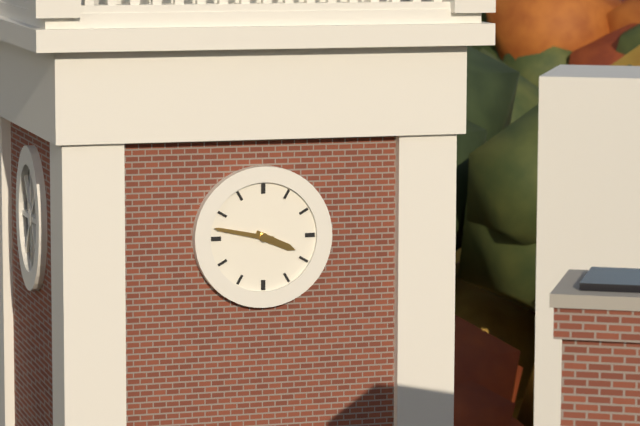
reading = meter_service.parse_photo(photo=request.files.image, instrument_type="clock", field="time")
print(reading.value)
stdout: 3:47
